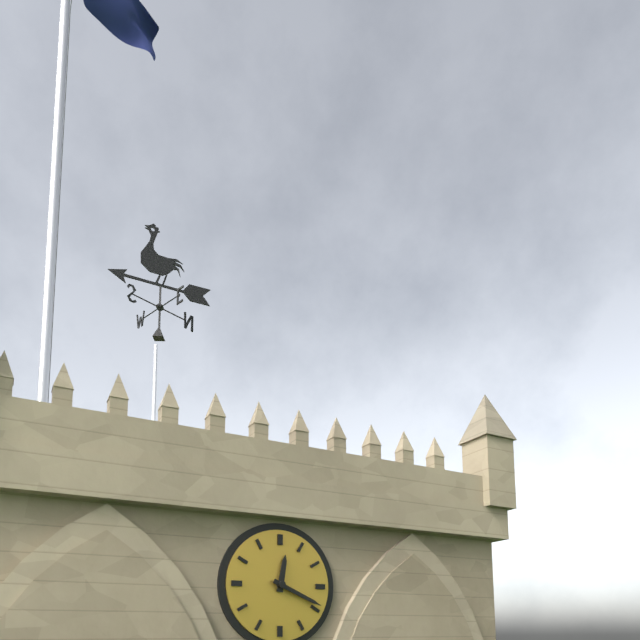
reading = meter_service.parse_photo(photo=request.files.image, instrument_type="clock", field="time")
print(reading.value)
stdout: 12:19
